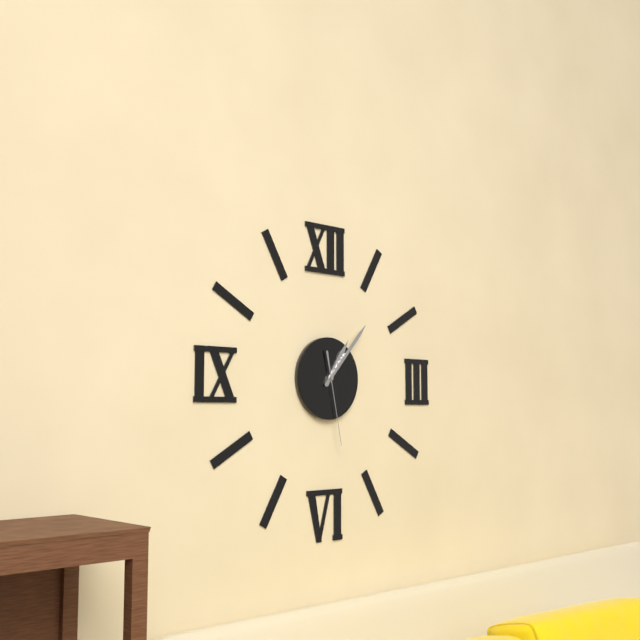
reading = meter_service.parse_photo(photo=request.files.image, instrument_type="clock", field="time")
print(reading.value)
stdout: 1:07:28
